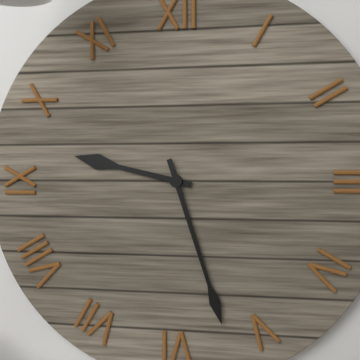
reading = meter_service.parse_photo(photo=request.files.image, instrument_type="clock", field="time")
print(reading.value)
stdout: 9:27
